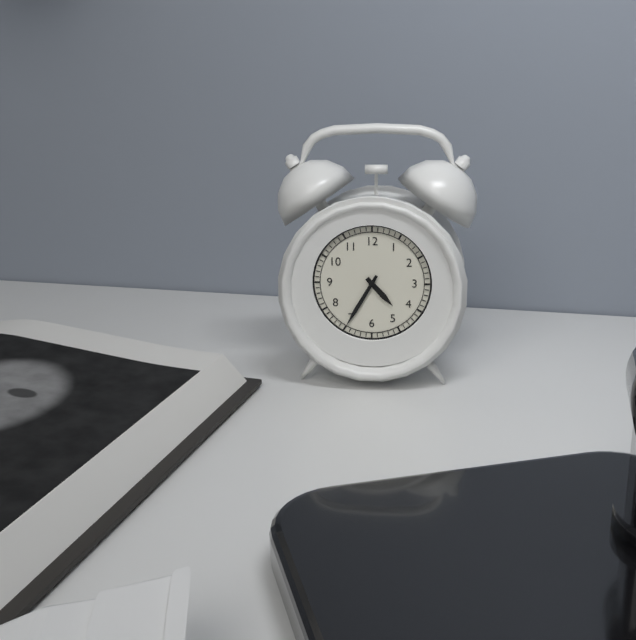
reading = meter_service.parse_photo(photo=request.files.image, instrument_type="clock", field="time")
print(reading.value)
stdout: 4:35
